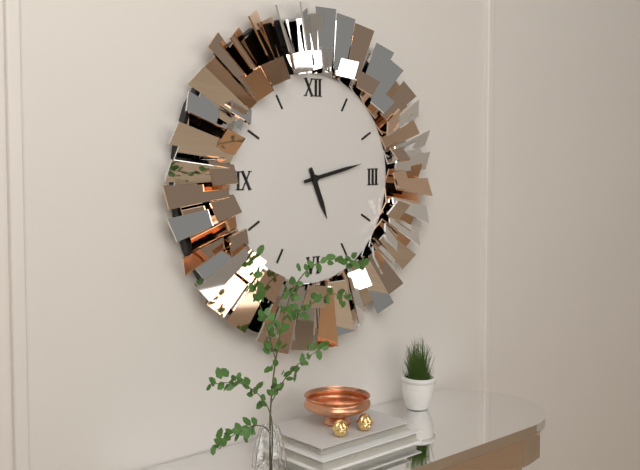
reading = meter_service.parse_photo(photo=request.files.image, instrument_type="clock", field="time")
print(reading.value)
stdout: 5:13
